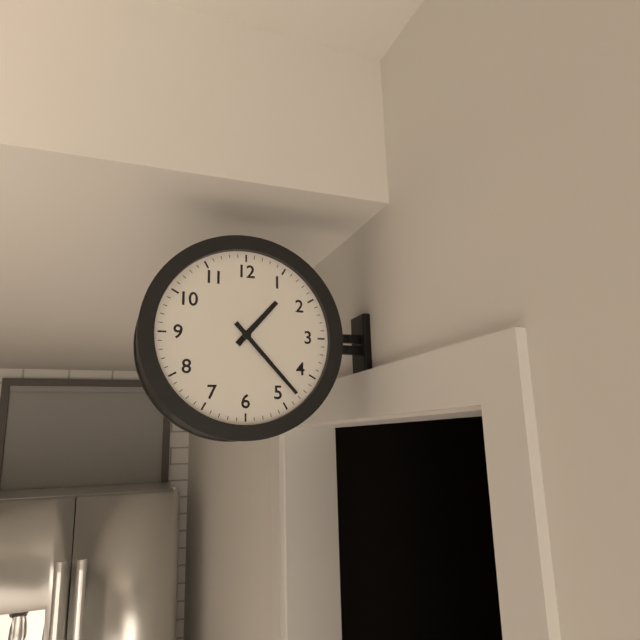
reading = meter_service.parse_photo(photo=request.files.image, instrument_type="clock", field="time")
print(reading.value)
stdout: 1:23
